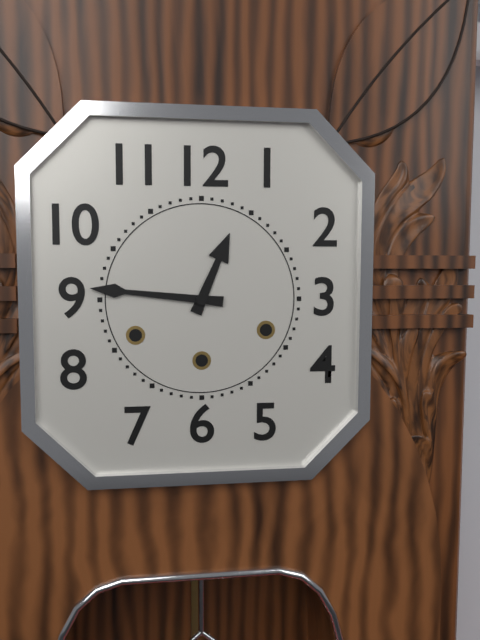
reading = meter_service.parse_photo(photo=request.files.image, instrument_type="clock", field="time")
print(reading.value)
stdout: 12:46
